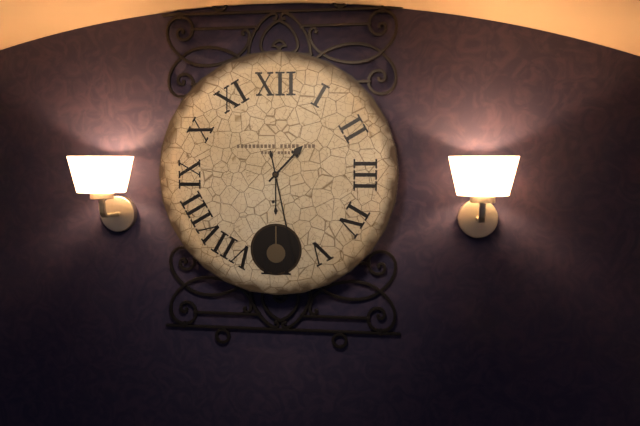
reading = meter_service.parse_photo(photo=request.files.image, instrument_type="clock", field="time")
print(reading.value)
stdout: 1:28
